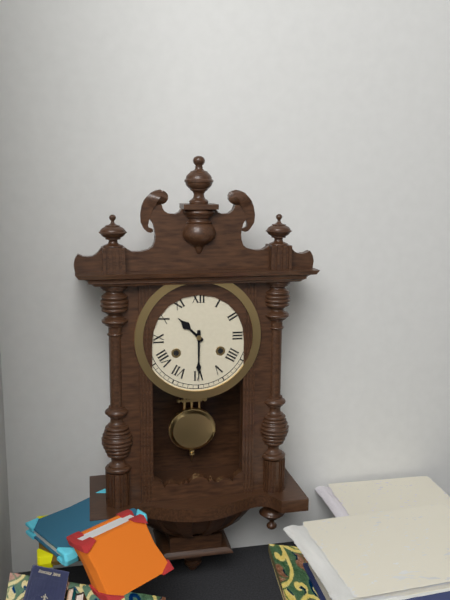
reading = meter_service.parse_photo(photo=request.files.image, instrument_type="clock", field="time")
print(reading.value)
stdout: 10:30
